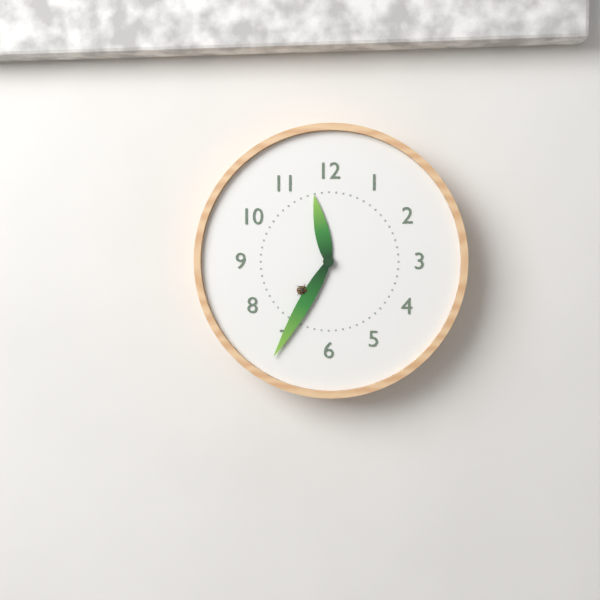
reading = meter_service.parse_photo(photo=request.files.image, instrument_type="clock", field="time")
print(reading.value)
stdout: 11:35
